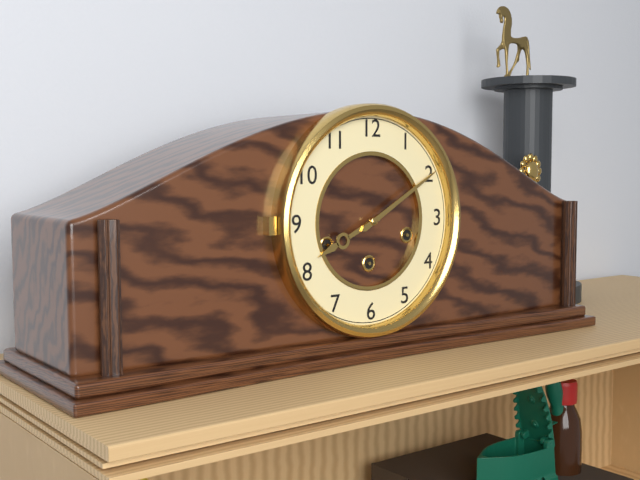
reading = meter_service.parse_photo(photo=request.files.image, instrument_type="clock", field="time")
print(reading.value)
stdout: 8:10
